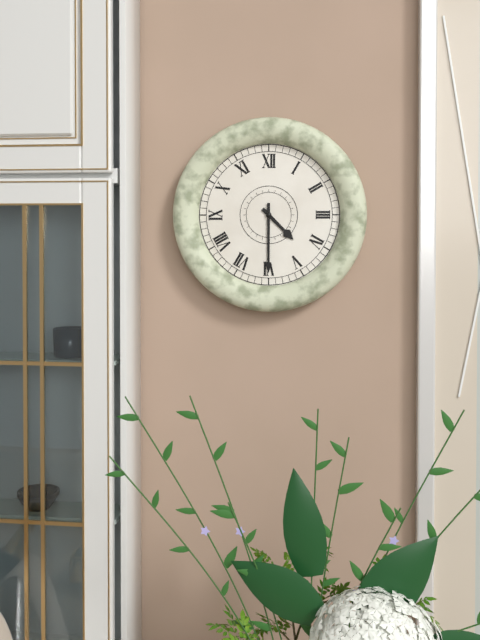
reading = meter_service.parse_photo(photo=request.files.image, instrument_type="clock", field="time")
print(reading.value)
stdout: 4:30
